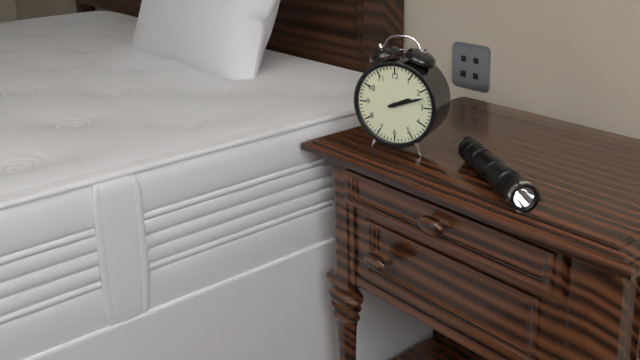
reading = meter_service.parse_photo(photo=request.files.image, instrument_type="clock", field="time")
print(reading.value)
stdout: 2:12
